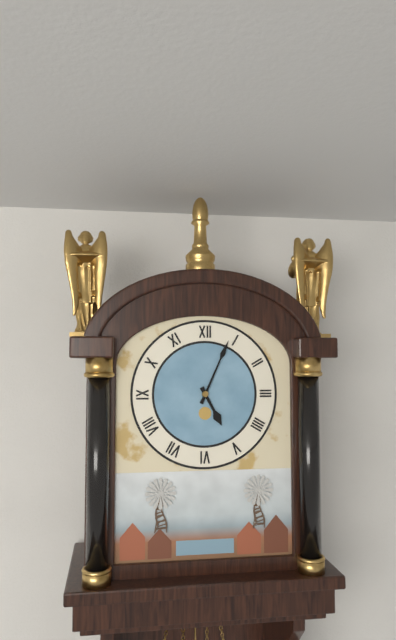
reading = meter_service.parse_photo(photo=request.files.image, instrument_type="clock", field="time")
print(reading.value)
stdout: 5:04
